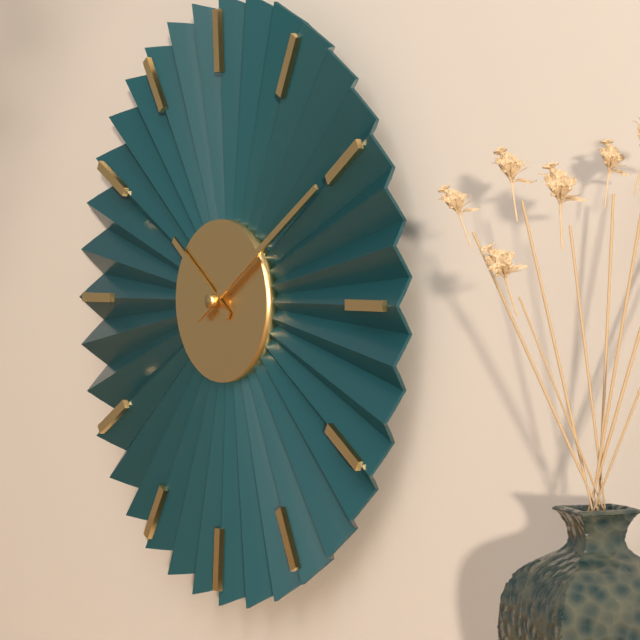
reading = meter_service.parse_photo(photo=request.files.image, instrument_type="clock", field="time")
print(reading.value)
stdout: 10:10
